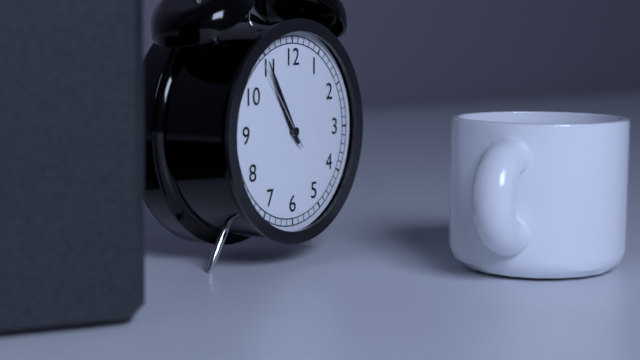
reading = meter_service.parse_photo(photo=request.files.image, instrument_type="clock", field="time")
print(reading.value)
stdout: 10:55:54
